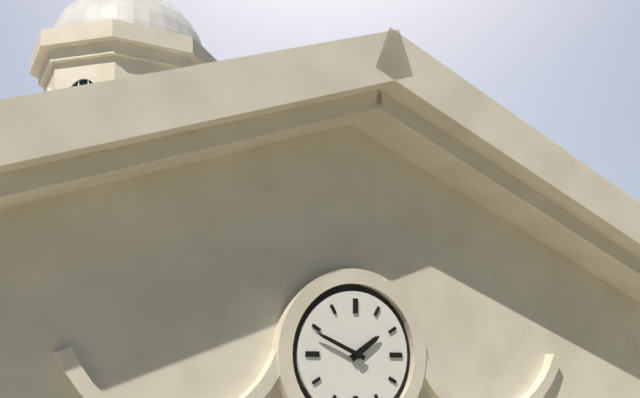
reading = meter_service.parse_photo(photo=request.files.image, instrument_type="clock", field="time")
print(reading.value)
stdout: 1:49
